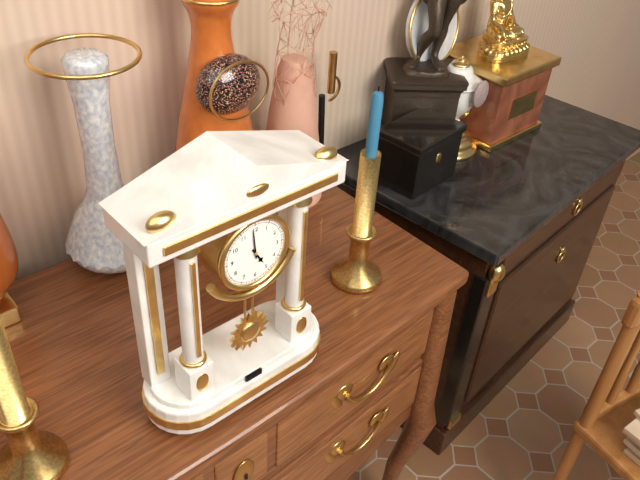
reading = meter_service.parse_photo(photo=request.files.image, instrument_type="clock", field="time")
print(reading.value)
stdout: 4:59
